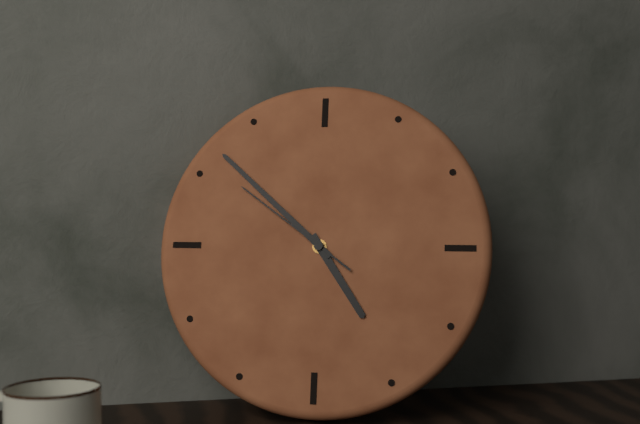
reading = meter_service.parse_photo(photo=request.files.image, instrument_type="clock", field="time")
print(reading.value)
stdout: 4:52:51
